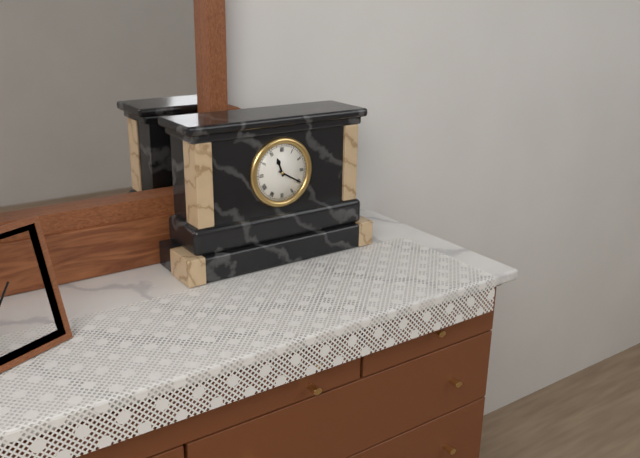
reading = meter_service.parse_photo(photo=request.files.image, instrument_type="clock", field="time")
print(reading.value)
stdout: 11:20
